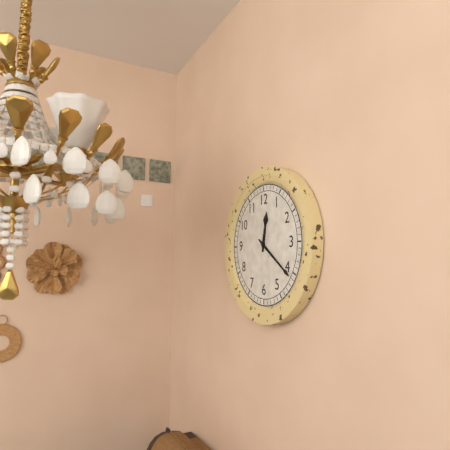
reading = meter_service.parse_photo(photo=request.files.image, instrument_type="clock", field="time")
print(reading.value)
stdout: 12:21
